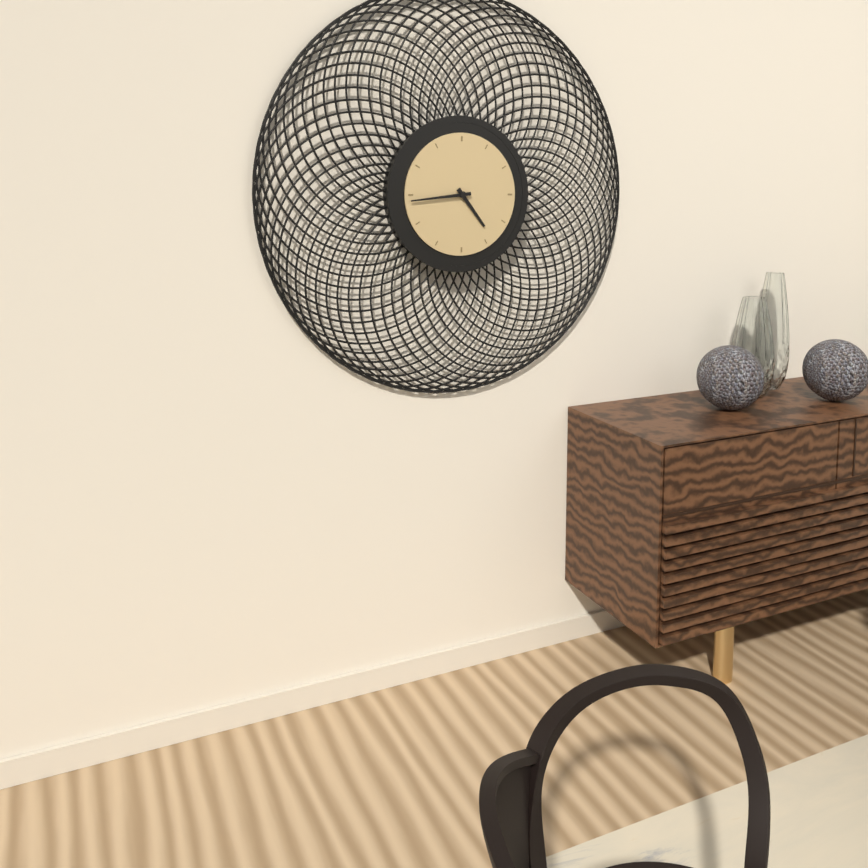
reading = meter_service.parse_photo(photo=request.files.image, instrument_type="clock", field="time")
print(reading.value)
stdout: 4:44
